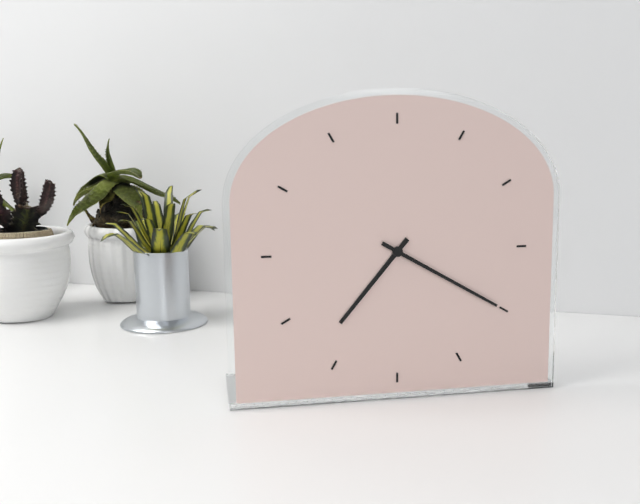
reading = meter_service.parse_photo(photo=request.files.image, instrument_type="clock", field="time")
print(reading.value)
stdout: 7:20
